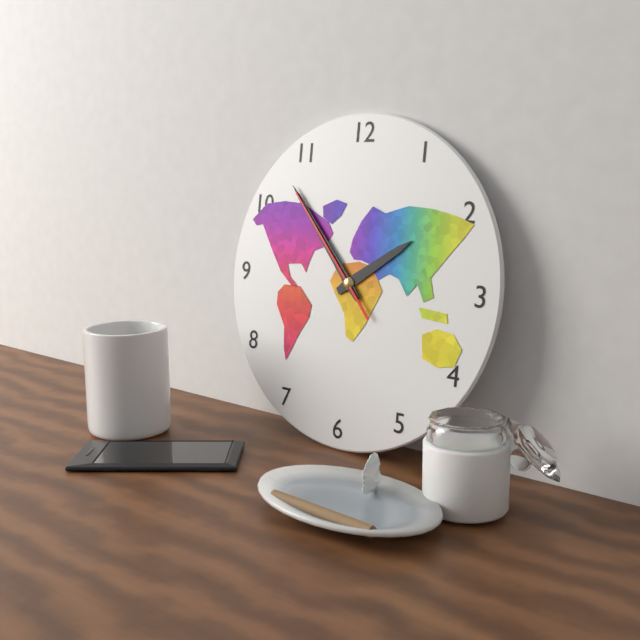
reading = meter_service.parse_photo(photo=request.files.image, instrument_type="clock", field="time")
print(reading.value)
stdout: 1:53:53
